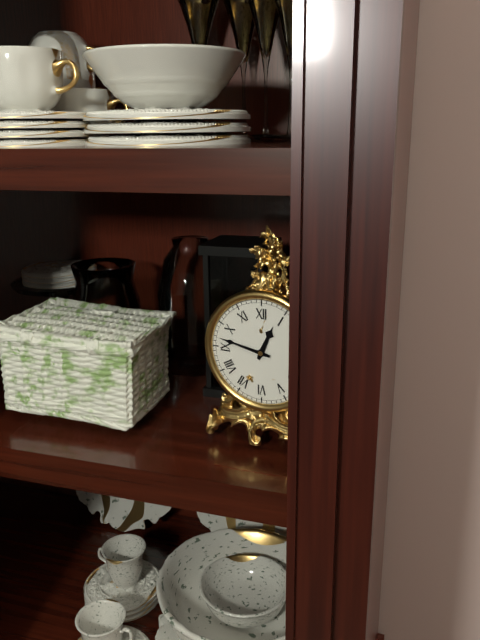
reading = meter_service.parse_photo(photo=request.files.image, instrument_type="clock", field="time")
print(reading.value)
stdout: 12:47
